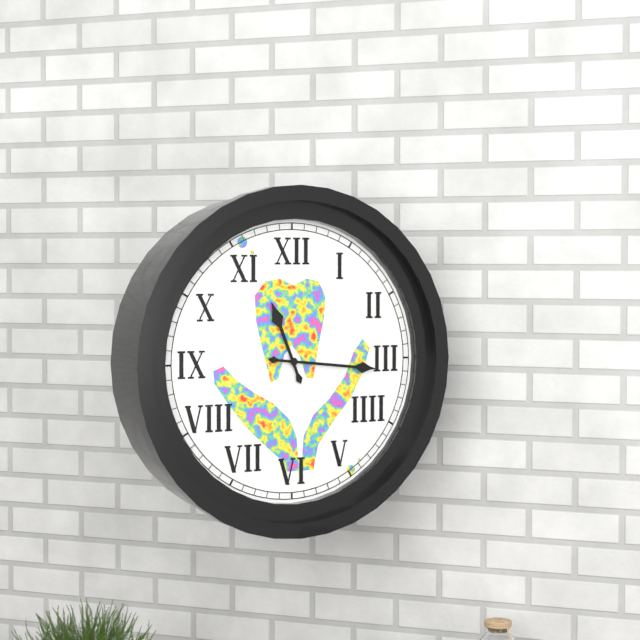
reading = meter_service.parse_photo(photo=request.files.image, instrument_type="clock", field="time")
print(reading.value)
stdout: 11:16
